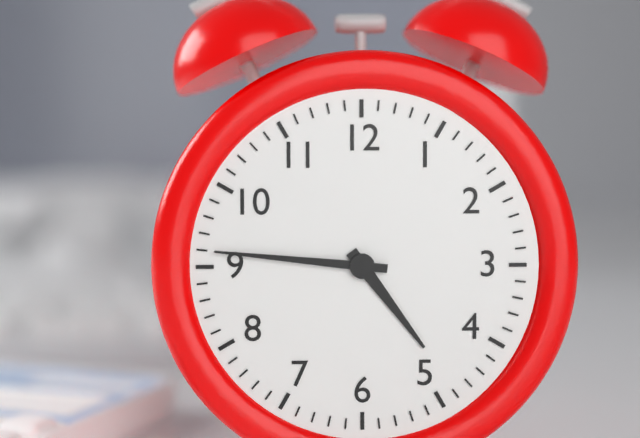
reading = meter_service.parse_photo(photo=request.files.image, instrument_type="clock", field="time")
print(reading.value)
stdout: 4:46
